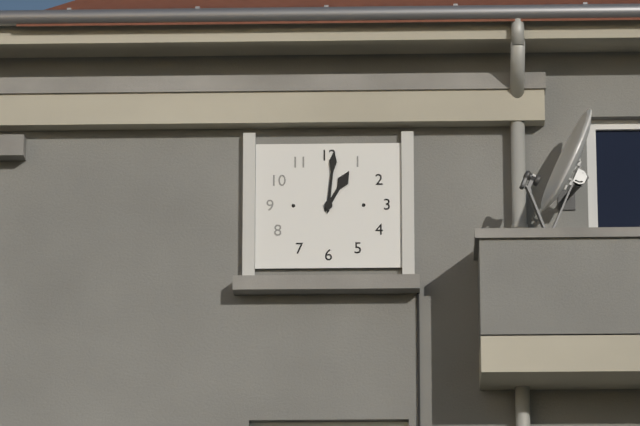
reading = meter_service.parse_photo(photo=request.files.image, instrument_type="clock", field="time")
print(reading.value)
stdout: 1:01
